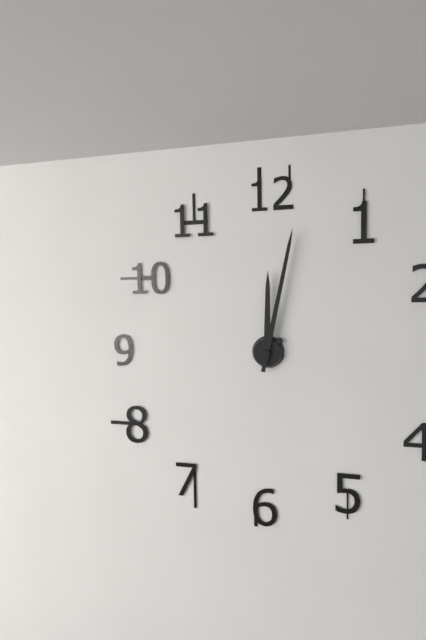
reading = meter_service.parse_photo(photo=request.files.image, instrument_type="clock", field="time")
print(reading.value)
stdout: 12:02
